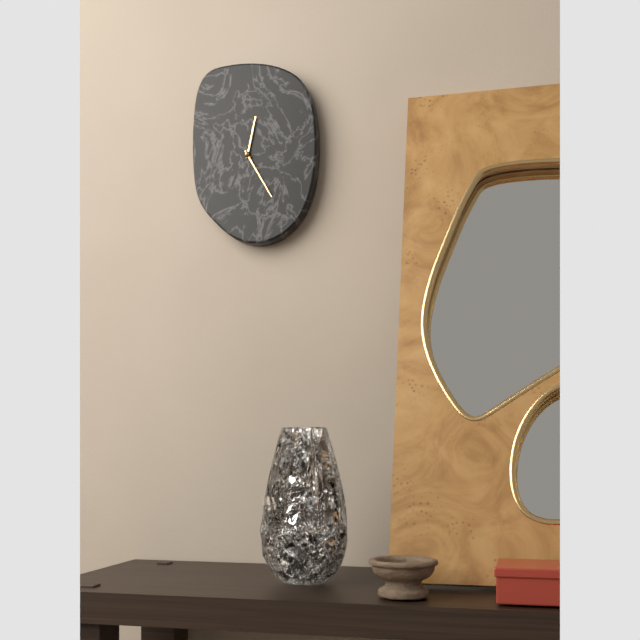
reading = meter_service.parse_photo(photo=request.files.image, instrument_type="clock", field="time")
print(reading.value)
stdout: 12:25
